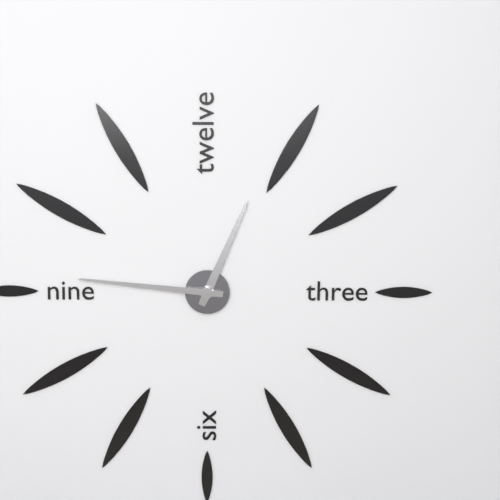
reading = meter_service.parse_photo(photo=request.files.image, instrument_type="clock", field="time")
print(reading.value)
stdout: 12:46
